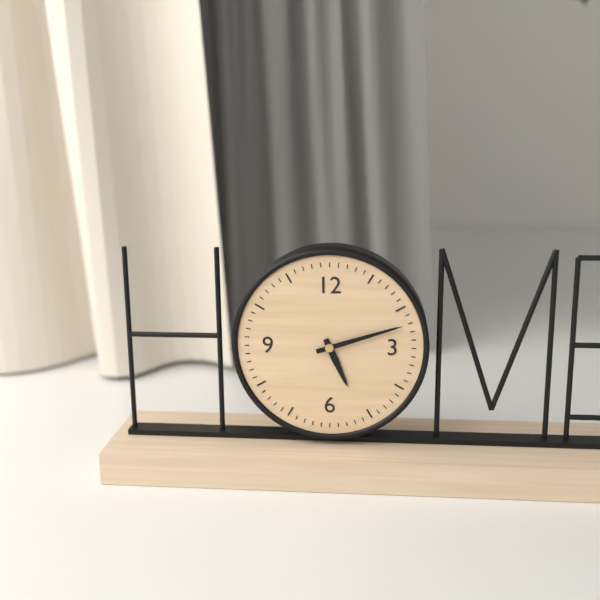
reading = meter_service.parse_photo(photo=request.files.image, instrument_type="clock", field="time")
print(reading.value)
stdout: 5:12
